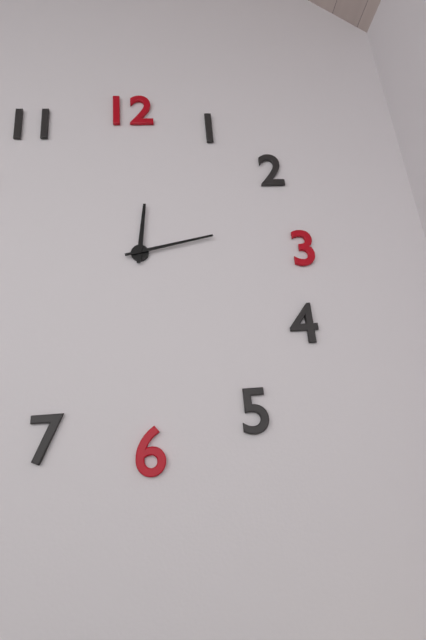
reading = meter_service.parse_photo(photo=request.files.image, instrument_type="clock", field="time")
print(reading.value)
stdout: 12:13
